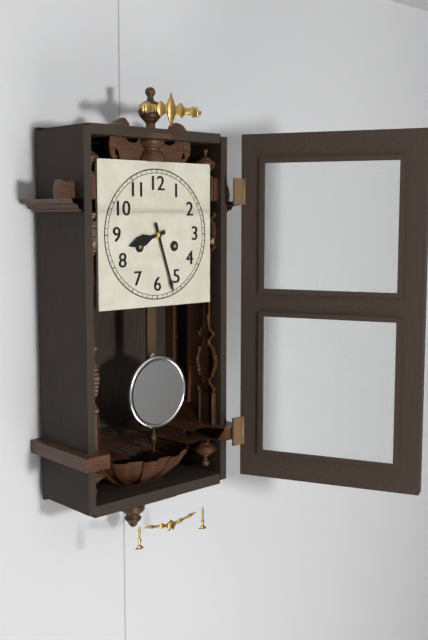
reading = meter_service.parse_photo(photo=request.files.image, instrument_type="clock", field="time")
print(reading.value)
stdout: 8:27
